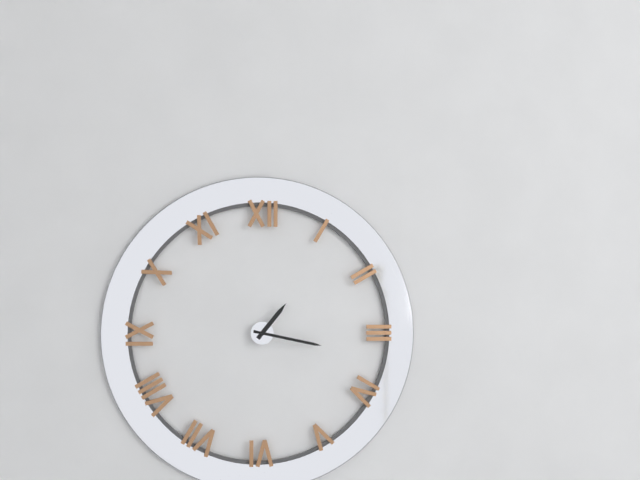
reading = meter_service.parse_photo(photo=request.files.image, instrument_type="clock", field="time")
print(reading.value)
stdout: 1:17
